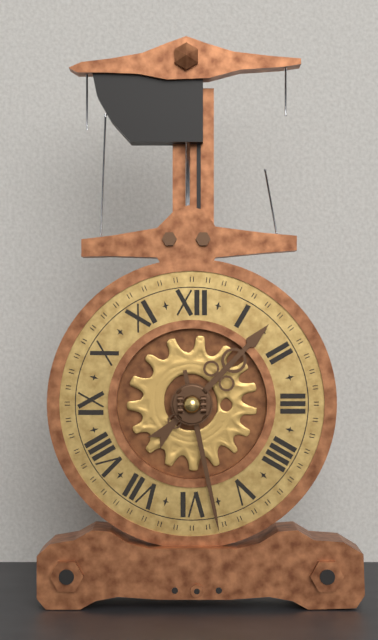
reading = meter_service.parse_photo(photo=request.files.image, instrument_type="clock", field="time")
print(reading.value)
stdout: 1:28
